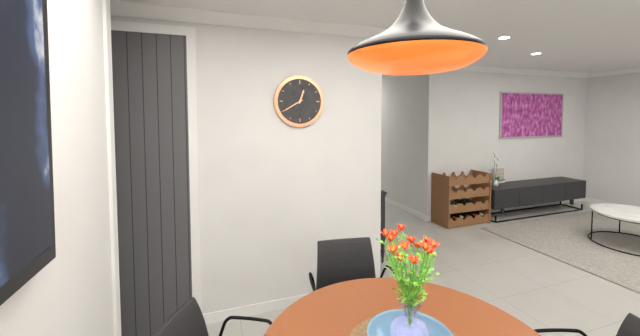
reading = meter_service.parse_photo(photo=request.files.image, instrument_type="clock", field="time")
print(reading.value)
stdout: 12:40
